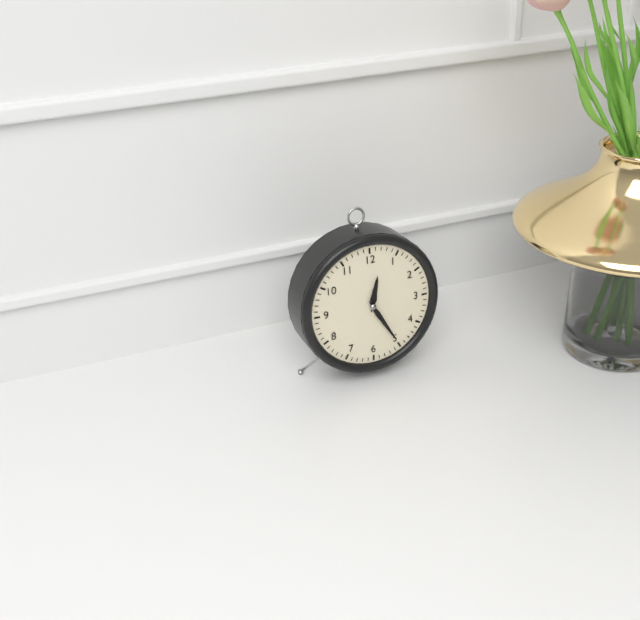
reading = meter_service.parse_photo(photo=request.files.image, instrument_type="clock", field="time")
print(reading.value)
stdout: 12:25
